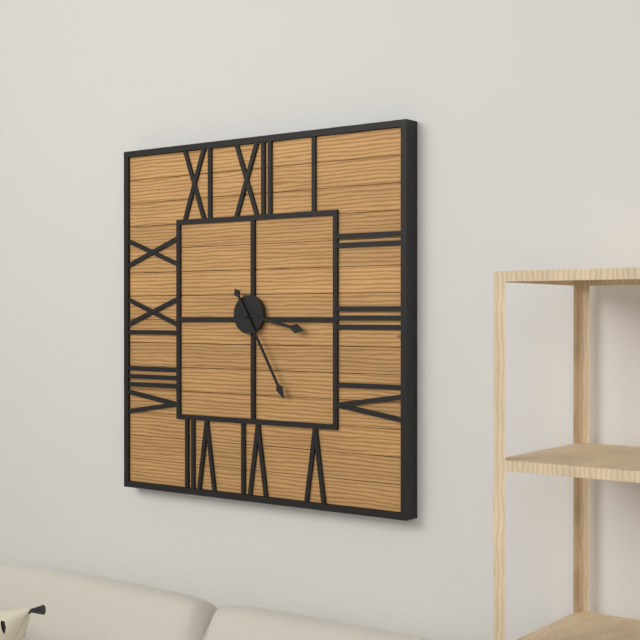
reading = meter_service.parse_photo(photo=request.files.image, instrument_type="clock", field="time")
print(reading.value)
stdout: 3:25
